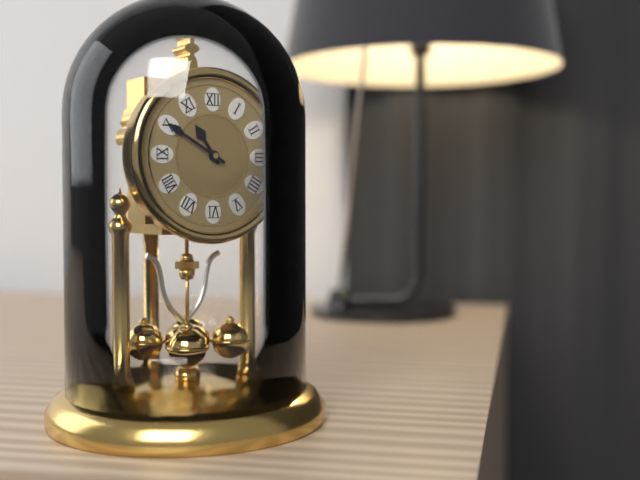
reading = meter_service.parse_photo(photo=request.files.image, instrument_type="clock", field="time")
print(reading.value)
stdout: 10:50
